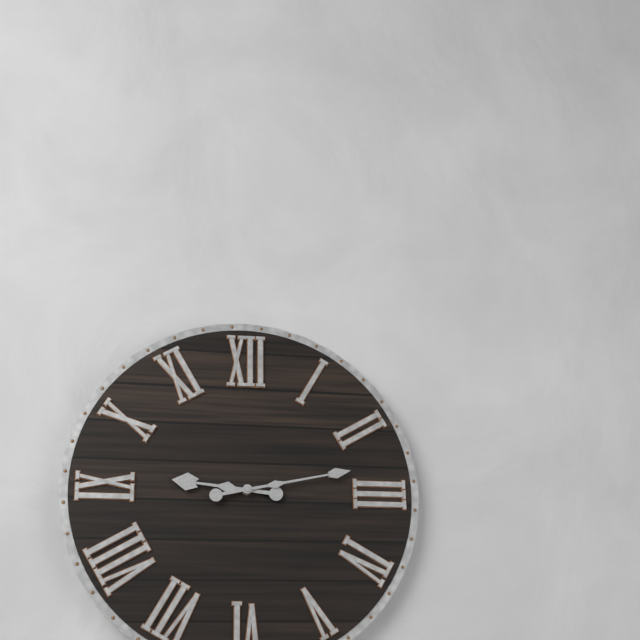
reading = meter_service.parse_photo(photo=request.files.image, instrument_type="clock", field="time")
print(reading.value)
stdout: 9:13
